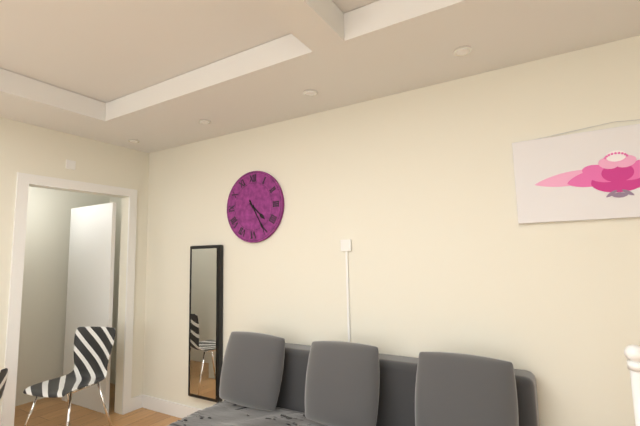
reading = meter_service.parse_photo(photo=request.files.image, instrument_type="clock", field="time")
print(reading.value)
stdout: 4:25
